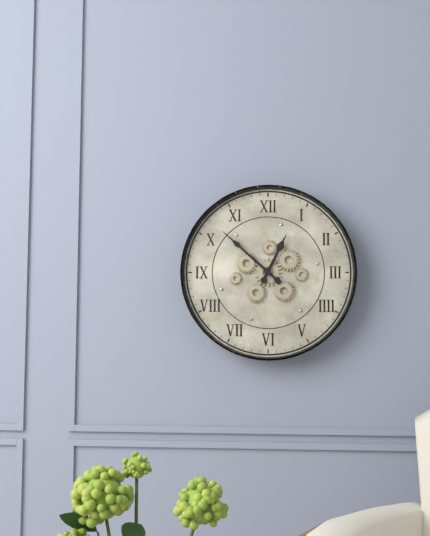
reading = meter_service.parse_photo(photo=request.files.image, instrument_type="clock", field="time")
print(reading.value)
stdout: 12:52
